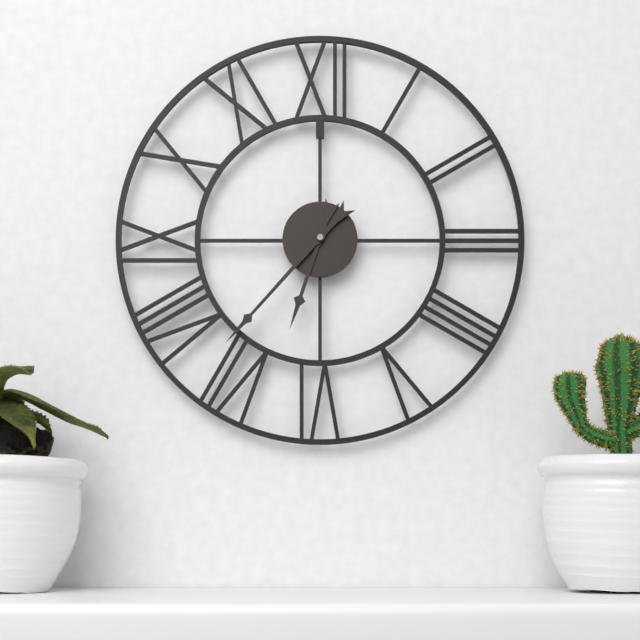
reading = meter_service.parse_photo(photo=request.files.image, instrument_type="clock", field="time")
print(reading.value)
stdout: 6:37
